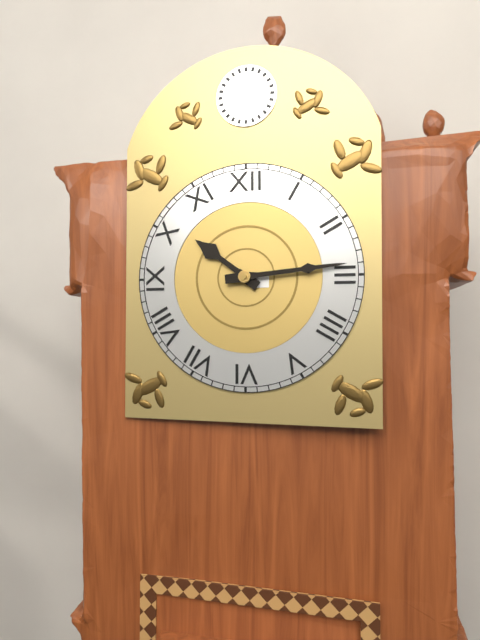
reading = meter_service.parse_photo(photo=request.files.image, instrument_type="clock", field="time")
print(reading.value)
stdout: 10:14
